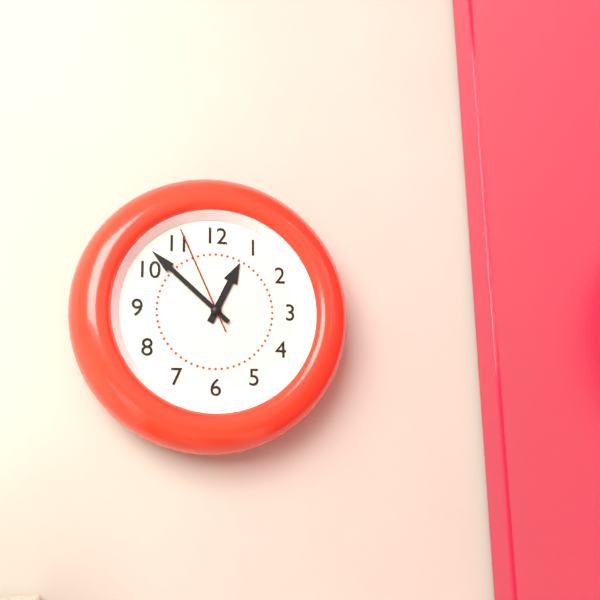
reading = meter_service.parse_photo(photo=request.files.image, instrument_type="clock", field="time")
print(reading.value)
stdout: 12:52:56
